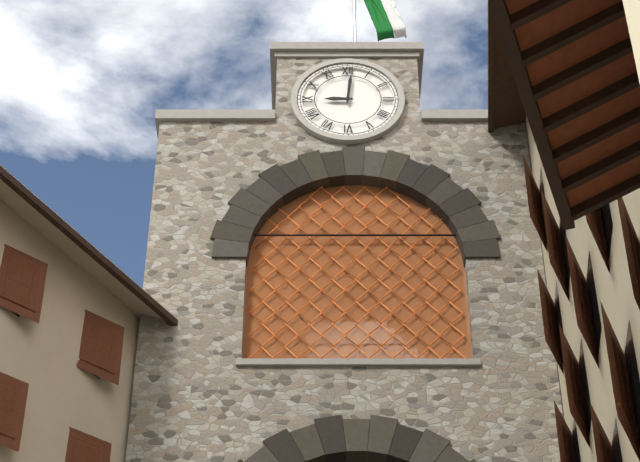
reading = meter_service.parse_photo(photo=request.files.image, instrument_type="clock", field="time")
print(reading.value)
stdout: 9:01
